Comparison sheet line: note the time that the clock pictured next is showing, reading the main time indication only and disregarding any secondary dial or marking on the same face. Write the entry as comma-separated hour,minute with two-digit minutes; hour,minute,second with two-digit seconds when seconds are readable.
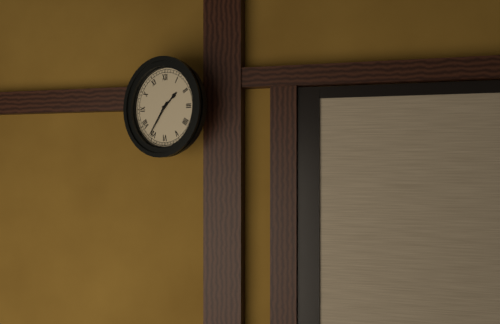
1,36
